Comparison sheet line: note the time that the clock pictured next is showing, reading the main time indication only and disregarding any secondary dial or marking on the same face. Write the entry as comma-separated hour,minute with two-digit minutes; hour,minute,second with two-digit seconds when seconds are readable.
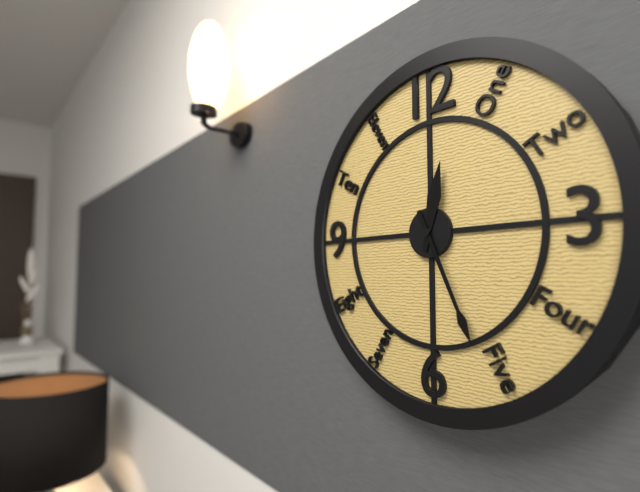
12,26
